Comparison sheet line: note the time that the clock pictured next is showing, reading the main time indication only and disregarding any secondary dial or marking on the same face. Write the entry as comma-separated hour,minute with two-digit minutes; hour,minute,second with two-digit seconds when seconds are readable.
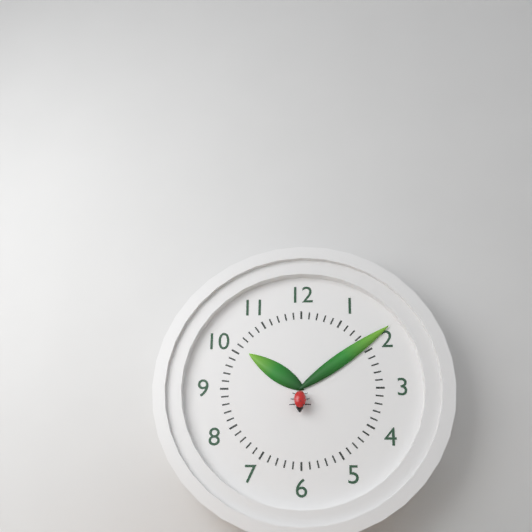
10,09
